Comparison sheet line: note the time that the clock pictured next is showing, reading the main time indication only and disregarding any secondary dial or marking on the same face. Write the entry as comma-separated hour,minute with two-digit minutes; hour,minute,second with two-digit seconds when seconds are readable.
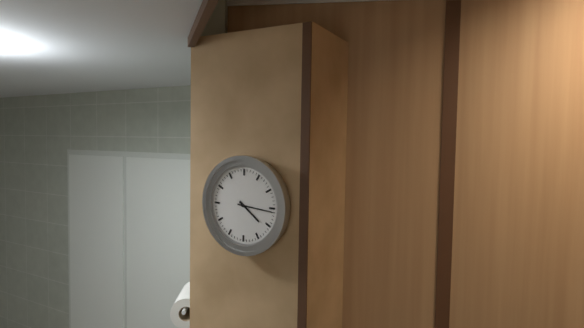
4,16
